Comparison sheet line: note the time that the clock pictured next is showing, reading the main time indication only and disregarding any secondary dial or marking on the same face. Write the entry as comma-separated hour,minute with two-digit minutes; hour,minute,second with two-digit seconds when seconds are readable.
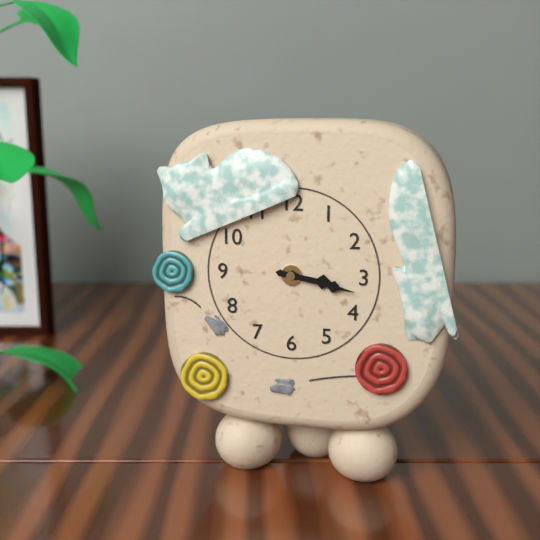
3,17
